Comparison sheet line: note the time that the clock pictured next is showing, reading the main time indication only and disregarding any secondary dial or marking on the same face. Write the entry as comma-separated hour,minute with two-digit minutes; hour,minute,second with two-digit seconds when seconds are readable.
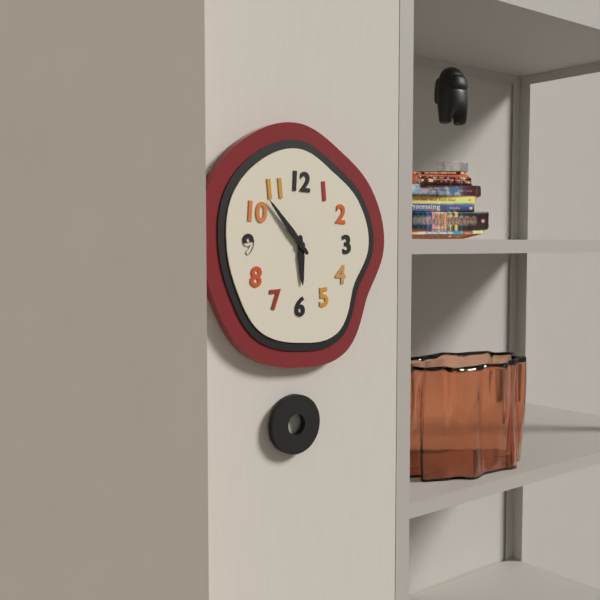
5,53
